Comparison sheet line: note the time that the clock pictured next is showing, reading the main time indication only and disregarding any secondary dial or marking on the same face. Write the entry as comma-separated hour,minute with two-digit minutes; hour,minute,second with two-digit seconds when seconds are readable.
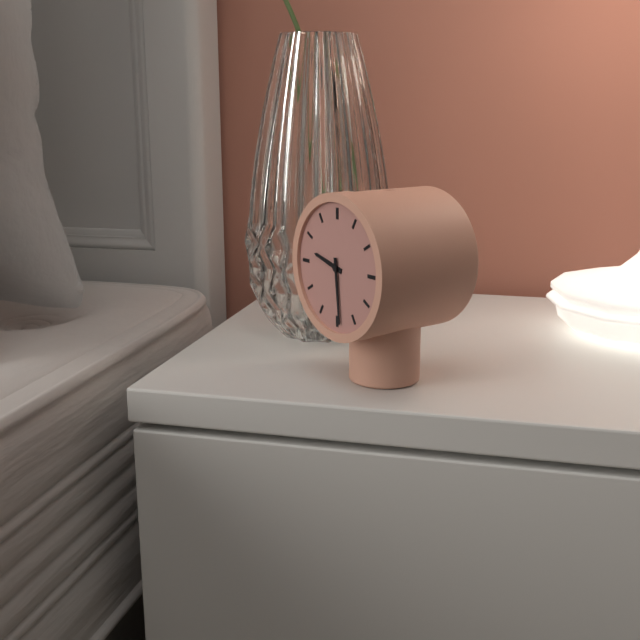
9,29
